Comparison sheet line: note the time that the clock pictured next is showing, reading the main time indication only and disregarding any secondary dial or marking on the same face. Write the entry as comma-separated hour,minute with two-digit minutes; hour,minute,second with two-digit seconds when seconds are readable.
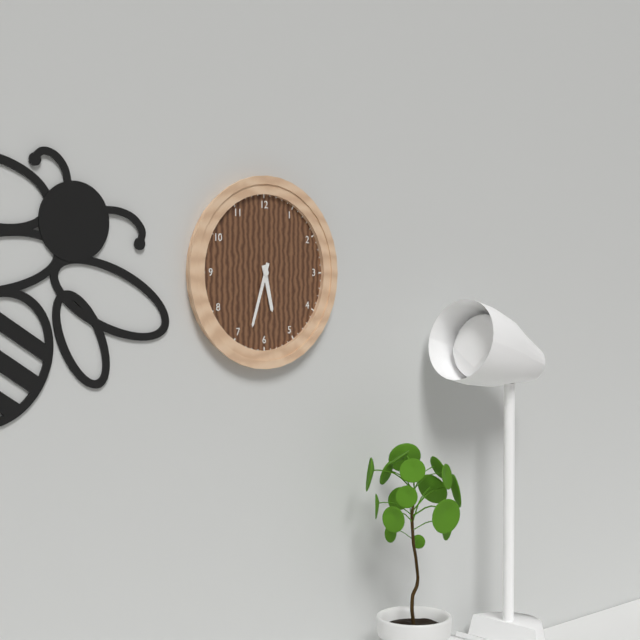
5,33
